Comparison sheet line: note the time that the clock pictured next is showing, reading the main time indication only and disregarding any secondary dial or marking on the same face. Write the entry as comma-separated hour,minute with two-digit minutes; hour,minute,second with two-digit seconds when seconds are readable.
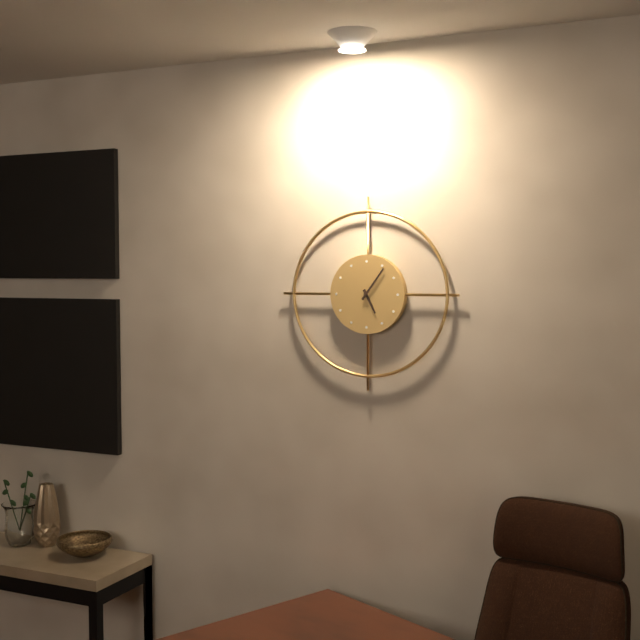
5,06
